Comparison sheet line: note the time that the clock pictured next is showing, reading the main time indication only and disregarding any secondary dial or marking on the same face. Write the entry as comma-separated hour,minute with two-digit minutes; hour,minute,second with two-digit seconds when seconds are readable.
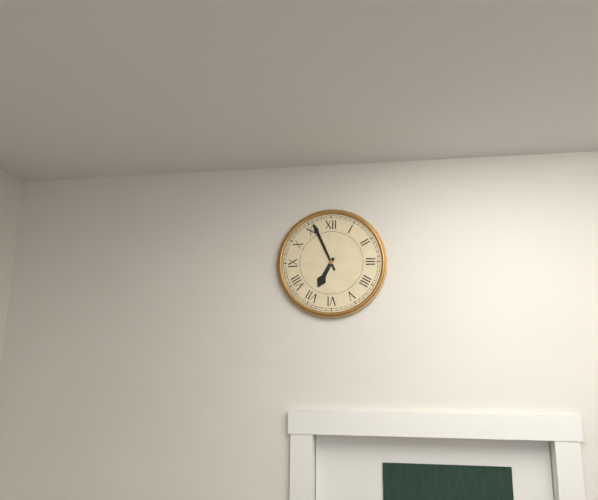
6,56
